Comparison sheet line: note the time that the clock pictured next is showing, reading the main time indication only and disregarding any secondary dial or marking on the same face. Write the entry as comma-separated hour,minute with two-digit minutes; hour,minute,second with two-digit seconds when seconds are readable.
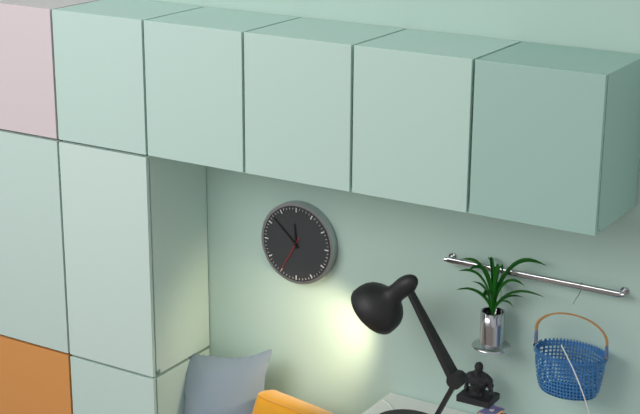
11,52
